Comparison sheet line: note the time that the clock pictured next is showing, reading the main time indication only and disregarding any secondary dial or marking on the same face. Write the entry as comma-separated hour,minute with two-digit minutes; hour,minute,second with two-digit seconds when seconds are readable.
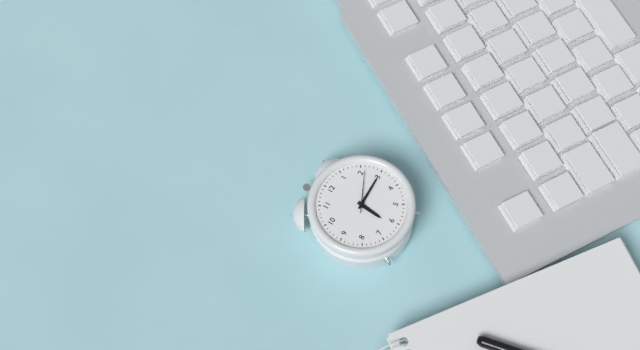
6,15
